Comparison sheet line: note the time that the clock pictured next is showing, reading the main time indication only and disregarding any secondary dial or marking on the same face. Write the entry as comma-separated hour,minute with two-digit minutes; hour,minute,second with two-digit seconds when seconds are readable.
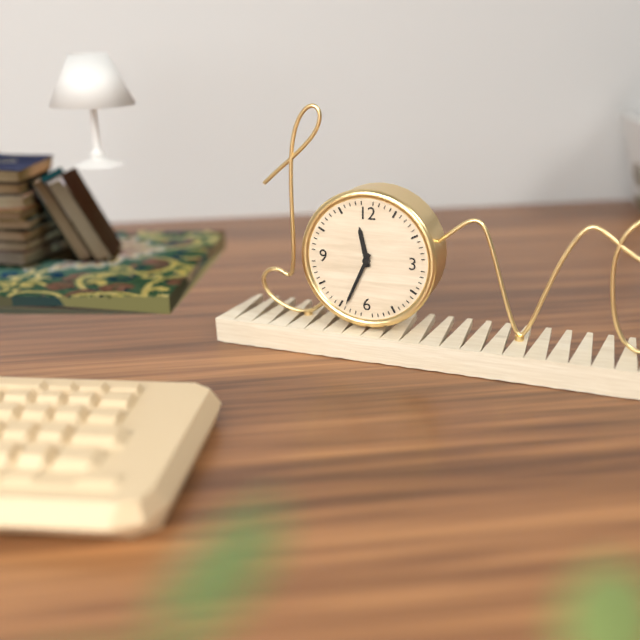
11,34
